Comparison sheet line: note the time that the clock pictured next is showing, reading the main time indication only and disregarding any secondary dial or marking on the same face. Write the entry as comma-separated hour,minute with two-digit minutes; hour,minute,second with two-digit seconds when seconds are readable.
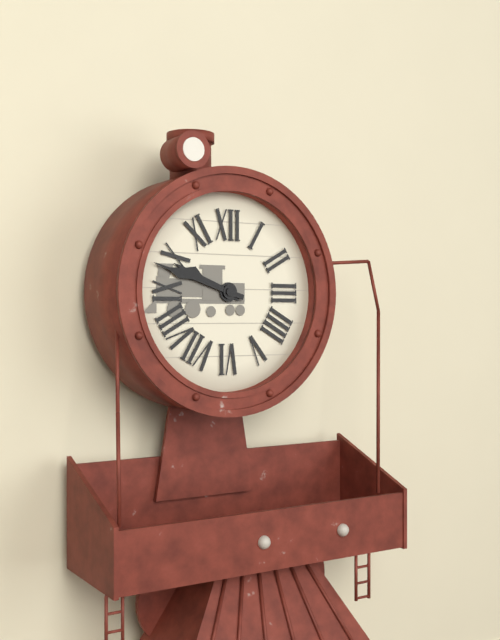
9,48
